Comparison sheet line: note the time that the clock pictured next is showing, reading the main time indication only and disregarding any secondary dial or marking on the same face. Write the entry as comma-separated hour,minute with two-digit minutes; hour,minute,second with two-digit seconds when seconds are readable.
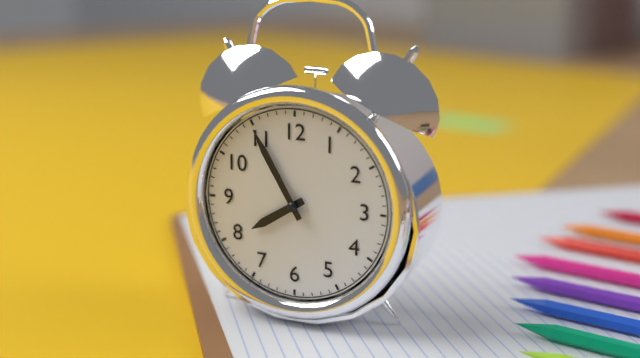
7,55
